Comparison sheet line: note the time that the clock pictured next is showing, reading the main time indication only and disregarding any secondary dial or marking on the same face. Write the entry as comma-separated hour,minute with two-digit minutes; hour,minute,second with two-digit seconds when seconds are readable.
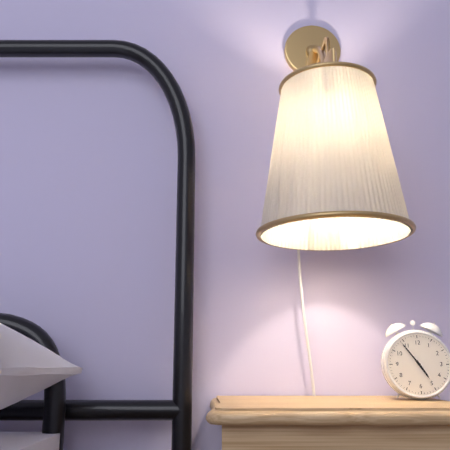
4,54
